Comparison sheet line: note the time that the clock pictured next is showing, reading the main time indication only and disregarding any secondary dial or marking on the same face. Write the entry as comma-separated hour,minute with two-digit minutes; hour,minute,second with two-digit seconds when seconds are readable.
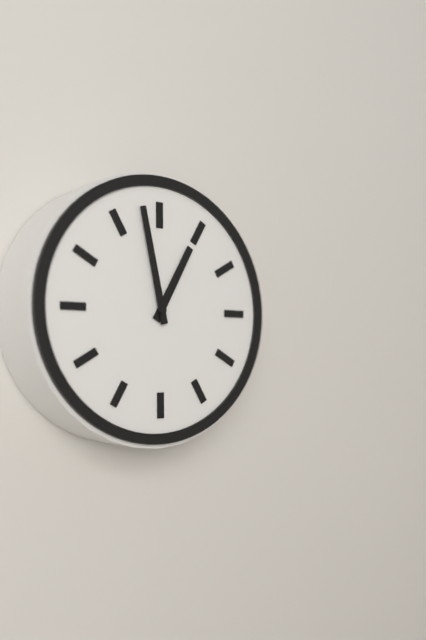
12,58
